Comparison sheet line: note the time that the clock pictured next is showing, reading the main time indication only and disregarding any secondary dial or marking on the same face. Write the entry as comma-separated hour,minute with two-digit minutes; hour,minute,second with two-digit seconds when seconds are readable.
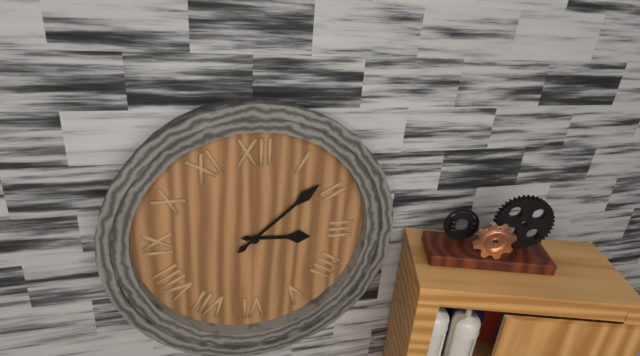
3,08
